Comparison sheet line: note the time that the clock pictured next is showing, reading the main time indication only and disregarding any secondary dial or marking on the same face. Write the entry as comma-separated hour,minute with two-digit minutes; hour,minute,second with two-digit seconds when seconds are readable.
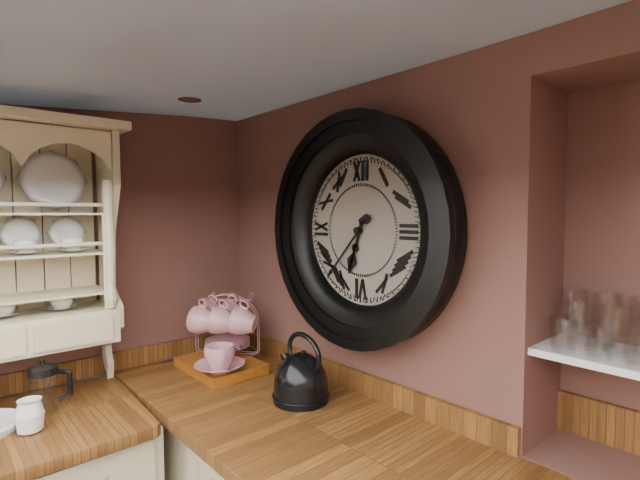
6,37
